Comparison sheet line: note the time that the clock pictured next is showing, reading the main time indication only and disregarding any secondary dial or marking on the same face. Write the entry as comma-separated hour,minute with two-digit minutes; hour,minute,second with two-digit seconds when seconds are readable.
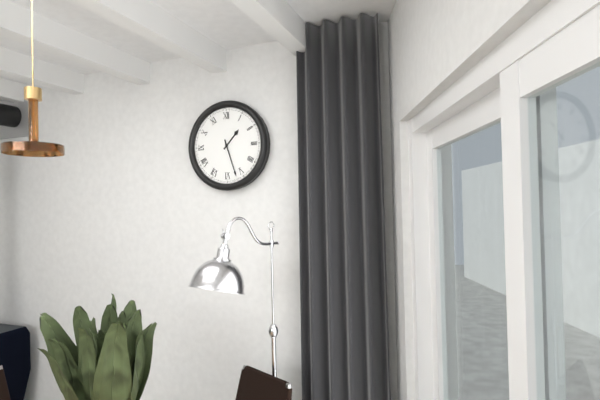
1,27
